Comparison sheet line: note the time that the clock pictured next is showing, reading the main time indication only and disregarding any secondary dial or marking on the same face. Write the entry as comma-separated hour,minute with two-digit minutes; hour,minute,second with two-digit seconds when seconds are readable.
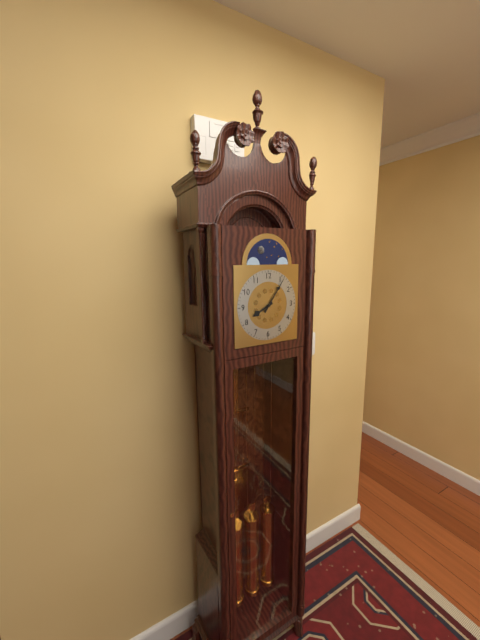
8,06
